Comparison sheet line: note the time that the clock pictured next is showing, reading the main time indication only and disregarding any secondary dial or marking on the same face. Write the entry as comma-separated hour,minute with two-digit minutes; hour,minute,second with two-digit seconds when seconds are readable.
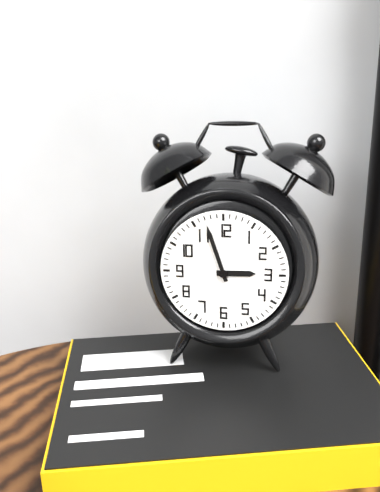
2,57
